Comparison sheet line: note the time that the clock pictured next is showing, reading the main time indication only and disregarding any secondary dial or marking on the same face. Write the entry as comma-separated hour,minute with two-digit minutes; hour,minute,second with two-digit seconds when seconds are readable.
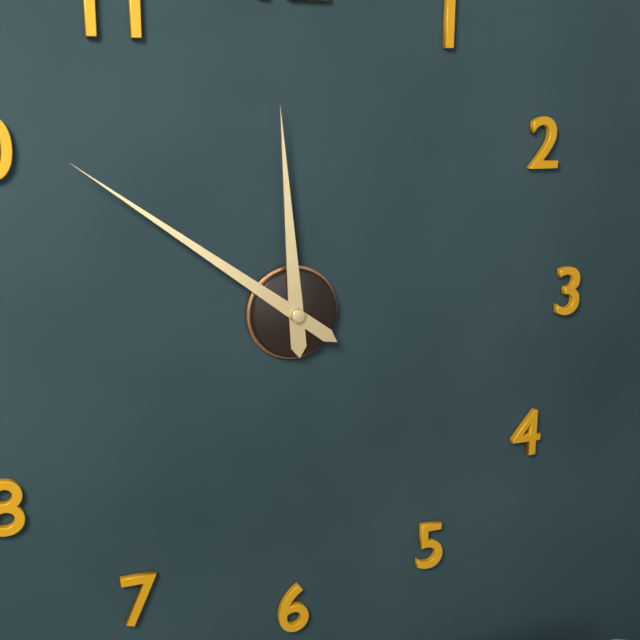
11,51
